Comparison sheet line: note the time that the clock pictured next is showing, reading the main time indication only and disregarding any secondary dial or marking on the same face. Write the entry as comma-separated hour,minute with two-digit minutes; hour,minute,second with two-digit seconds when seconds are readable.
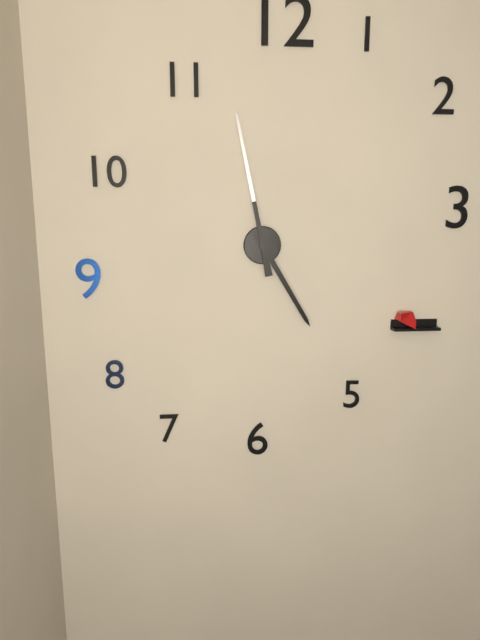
4,58
